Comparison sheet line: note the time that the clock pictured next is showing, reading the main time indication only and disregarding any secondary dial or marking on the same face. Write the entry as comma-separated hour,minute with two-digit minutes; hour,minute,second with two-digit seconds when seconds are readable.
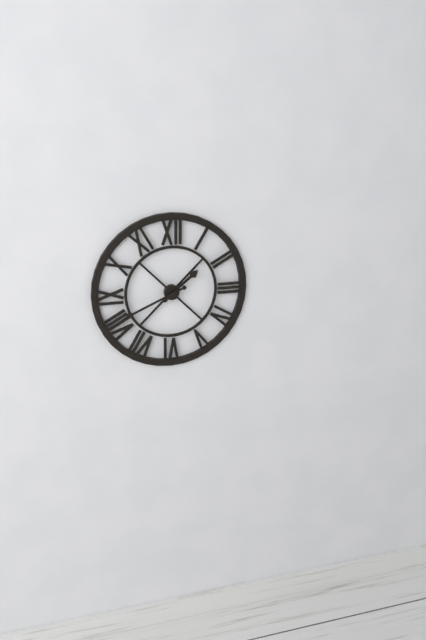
1,41
